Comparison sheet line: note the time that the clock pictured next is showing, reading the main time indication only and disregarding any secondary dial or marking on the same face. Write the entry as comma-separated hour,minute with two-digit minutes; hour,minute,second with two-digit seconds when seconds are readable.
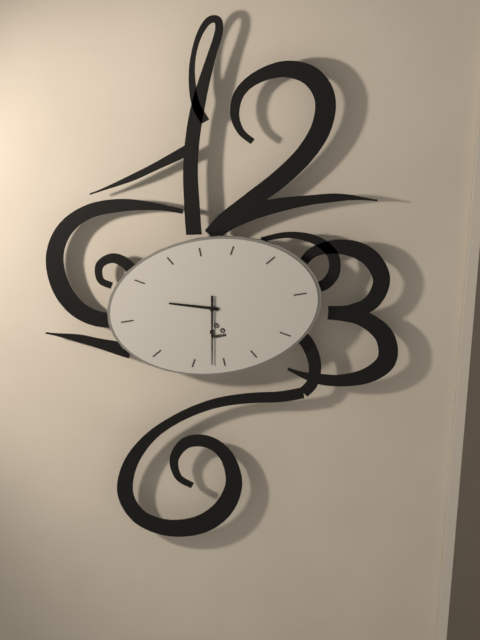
9,32
